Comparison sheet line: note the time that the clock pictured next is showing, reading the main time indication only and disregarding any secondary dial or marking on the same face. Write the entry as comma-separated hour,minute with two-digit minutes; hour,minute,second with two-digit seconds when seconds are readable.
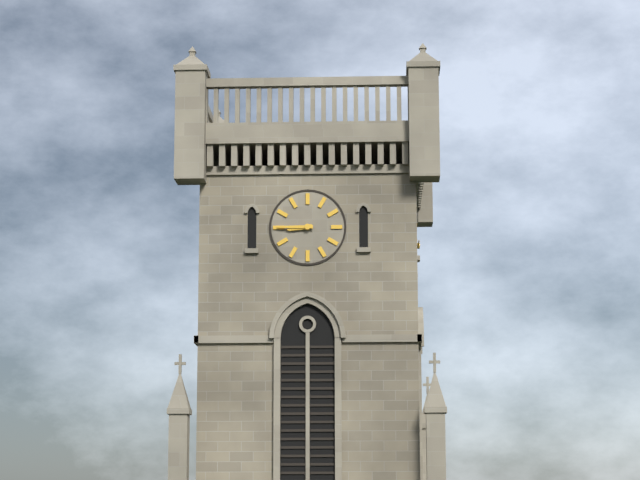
8,45
